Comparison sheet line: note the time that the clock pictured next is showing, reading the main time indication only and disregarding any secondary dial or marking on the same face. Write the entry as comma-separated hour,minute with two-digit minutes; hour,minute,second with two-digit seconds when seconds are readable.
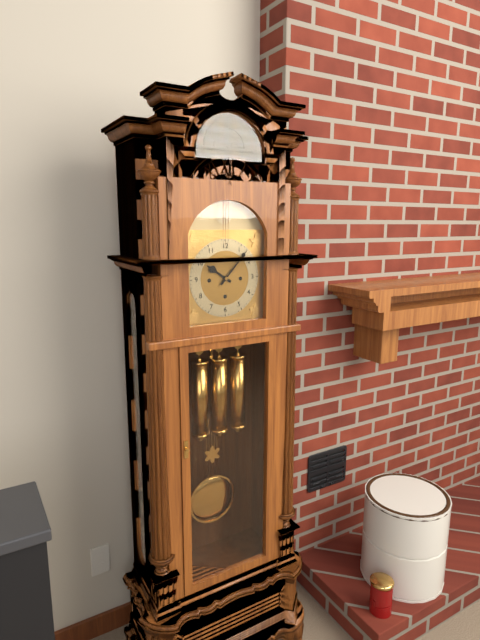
10,07
